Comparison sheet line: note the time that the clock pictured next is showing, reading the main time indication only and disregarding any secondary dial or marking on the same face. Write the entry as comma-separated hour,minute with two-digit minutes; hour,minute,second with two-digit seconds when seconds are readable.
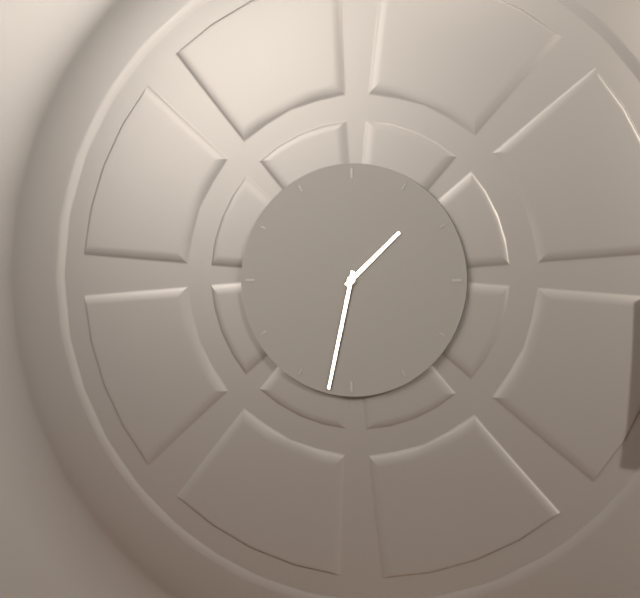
1,32
